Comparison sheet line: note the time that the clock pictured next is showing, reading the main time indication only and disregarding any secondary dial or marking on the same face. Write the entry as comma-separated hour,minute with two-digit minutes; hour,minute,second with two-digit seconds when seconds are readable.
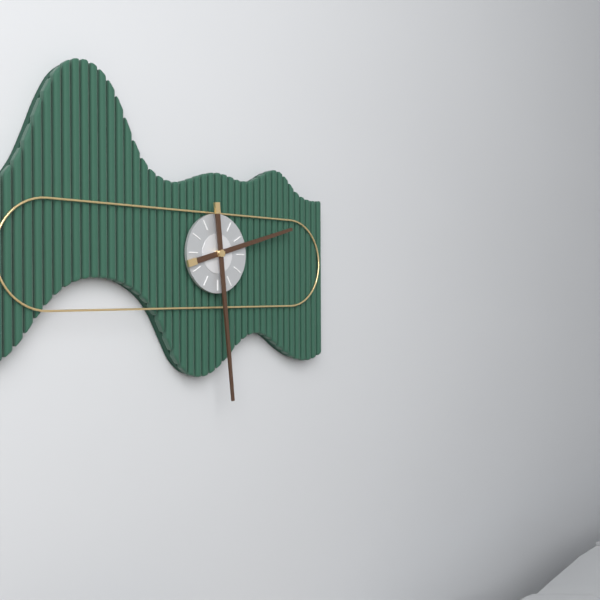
2,29
